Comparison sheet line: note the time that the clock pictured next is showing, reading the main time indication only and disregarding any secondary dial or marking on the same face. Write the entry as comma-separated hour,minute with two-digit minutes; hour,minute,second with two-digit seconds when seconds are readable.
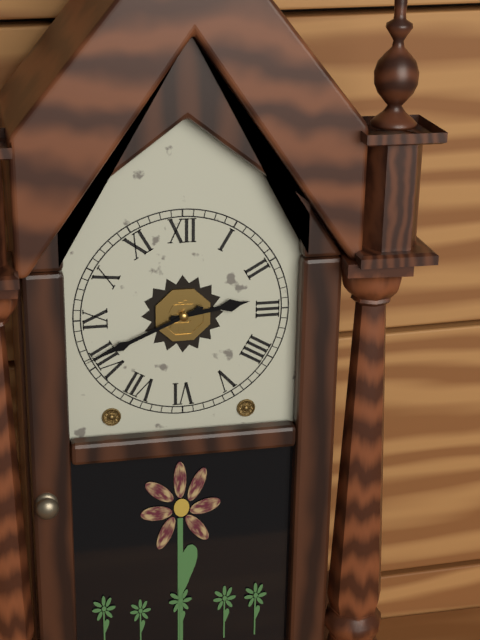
2,41
